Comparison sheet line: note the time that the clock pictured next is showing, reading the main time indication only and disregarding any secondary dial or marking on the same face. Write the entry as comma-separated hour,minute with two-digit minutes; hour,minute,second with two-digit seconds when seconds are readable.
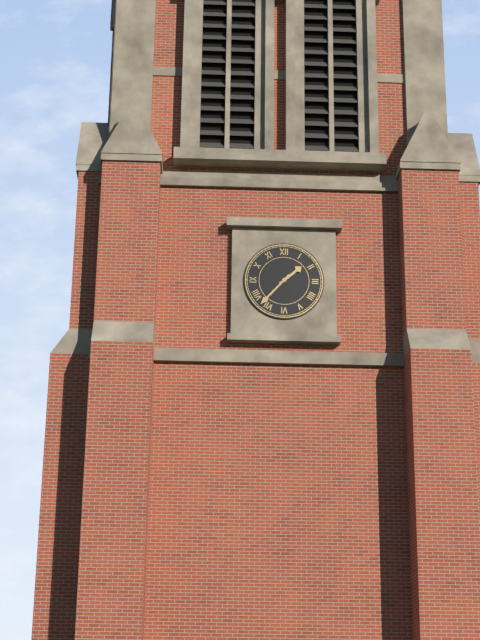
1,37
